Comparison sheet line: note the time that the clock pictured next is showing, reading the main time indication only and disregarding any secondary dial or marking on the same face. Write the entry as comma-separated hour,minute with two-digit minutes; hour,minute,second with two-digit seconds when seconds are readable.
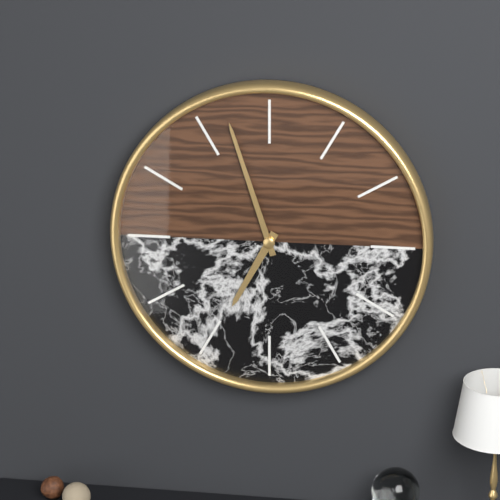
6,57
